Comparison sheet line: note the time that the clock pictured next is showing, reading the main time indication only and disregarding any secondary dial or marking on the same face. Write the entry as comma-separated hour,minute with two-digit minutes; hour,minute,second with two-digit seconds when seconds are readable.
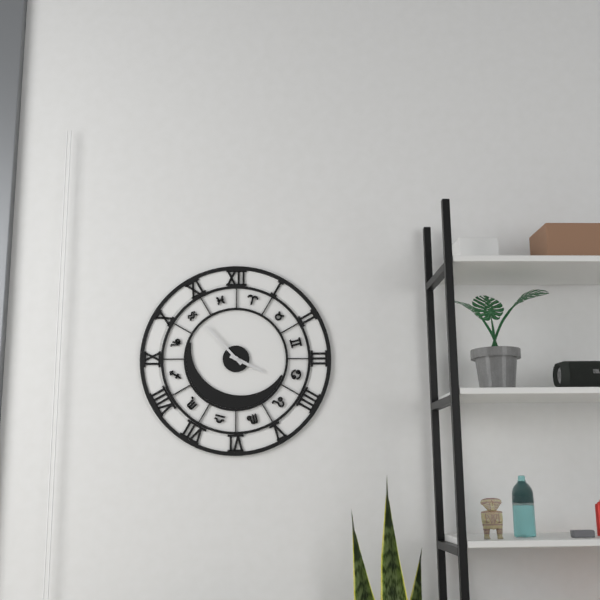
3,53
